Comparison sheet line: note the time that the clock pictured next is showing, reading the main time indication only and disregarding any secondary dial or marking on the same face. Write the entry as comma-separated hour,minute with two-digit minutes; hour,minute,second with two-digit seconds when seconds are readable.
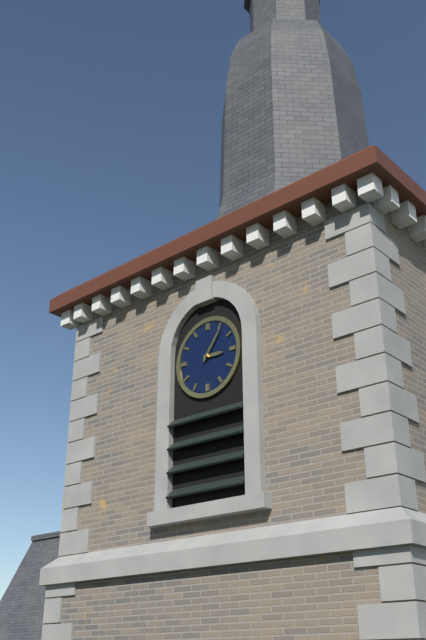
3,06
